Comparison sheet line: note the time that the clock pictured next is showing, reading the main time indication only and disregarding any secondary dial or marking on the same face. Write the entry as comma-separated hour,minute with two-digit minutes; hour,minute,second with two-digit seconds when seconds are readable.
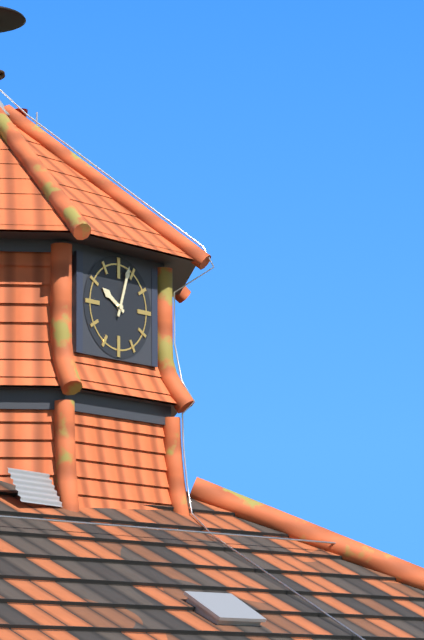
10,03
